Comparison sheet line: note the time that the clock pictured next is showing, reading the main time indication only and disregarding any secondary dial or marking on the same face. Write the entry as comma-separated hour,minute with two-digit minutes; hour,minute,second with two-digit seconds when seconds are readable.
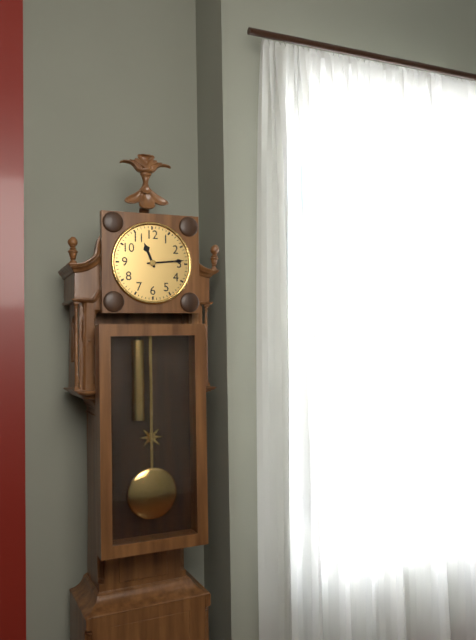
11,14
